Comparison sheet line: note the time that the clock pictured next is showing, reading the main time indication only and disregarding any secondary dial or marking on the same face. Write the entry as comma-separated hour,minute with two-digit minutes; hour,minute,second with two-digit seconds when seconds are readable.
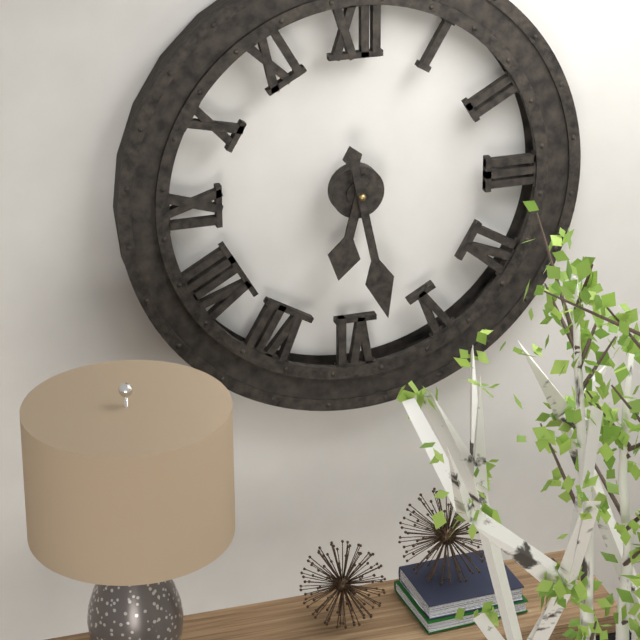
6,28
